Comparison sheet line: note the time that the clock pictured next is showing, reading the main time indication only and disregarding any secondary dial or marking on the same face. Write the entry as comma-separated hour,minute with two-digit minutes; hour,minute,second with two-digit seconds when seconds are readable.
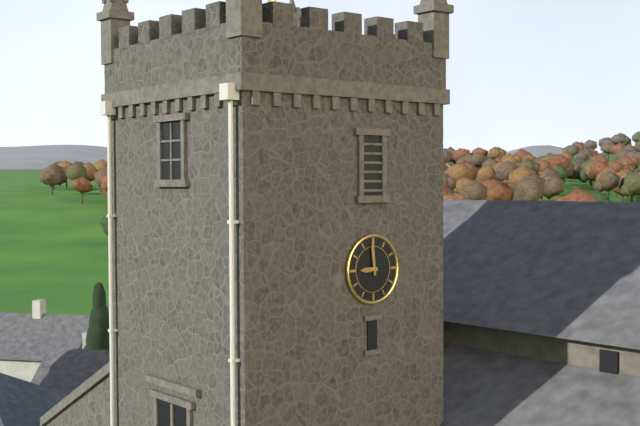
8,59
